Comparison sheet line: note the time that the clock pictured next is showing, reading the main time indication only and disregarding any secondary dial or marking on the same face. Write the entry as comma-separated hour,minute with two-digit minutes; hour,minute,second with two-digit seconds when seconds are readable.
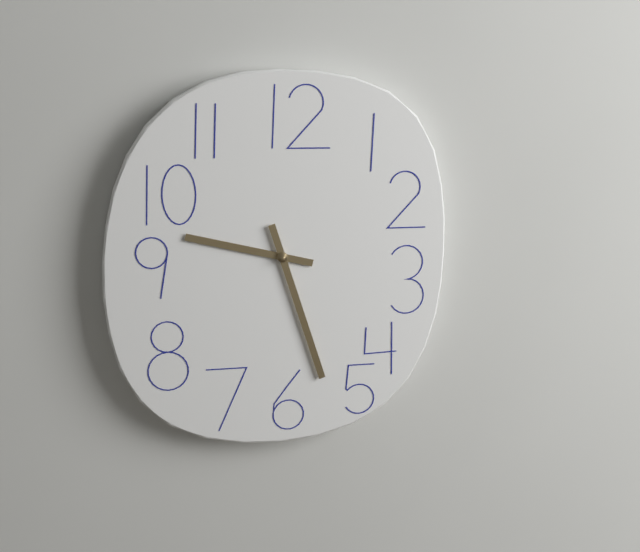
9,27
